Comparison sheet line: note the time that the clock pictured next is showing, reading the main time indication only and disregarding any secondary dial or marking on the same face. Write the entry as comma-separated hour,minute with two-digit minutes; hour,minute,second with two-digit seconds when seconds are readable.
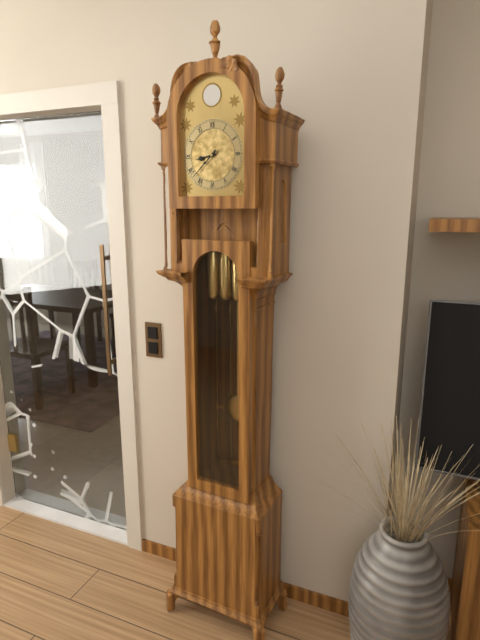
8,38
